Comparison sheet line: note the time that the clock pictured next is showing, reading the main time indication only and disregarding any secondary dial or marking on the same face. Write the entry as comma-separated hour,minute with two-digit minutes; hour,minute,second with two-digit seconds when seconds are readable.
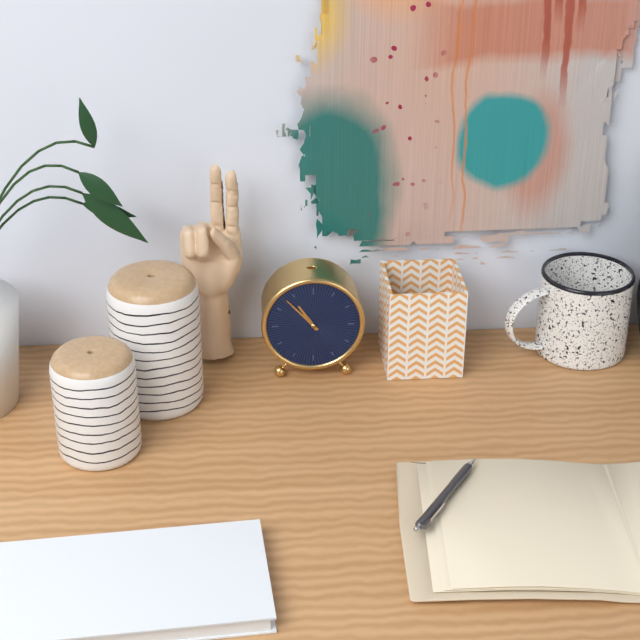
10,53
